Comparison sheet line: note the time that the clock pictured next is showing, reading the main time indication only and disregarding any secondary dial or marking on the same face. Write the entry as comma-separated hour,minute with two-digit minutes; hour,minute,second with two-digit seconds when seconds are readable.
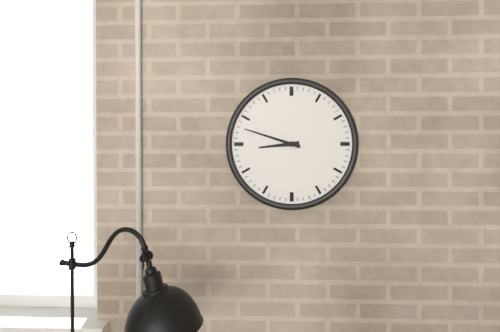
8,48
